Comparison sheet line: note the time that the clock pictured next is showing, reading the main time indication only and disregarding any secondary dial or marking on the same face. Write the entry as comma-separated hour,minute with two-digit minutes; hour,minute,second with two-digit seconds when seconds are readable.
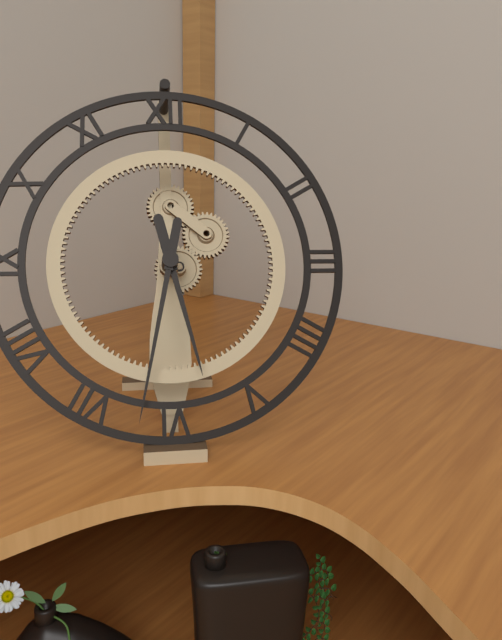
5,32
